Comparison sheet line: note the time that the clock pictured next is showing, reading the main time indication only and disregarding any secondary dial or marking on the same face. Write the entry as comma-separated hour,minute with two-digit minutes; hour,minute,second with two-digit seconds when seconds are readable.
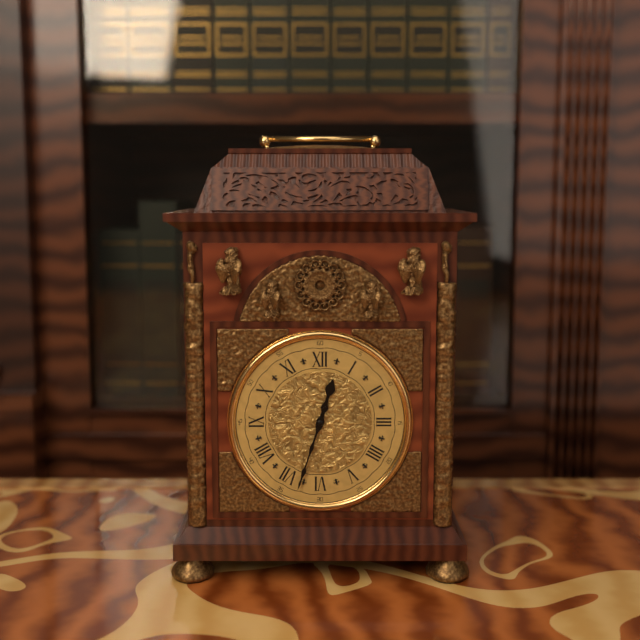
12,33
